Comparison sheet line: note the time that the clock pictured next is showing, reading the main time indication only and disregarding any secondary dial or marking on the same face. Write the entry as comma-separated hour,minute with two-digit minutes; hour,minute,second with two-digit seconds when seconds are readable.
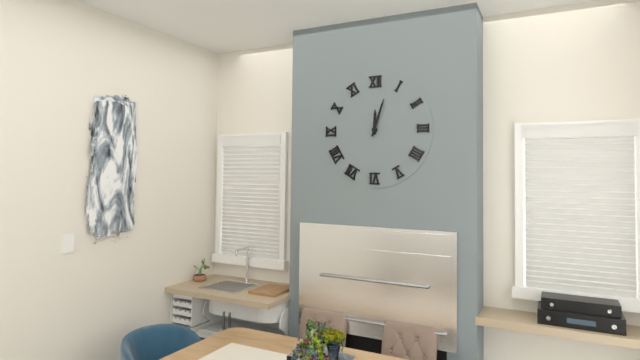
12,03
